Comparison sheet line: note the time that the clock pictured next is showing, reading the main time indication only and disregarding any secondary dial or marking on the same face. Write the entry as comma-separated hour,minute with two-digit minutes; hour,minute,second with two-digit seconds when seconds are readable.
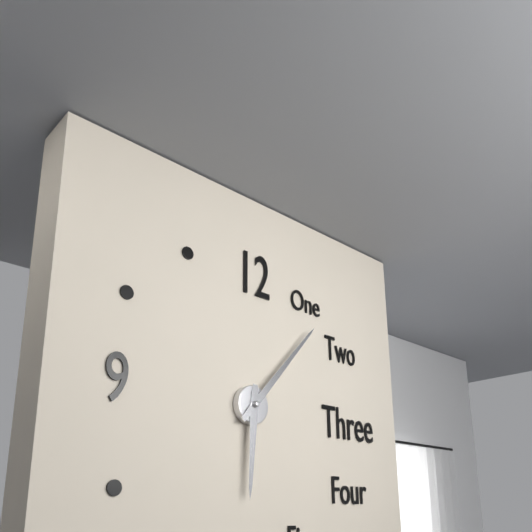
6,07
